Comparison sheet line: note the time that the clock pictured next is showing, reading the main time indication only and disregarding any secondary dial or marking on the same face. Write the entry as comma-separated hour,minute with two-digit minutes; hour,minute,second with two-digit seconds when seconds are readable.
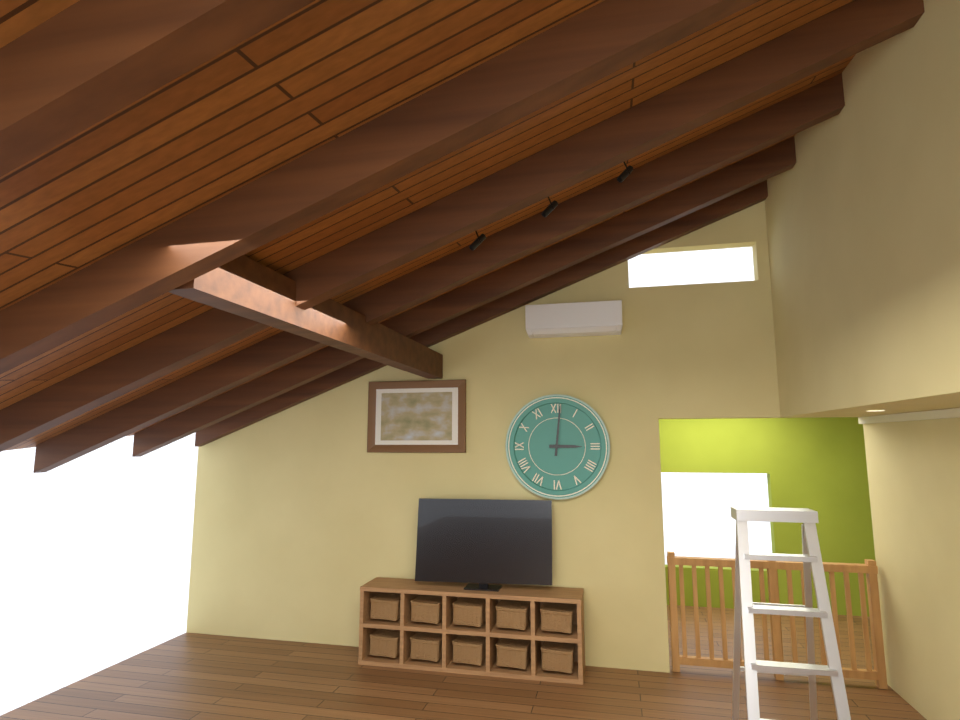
3,01
